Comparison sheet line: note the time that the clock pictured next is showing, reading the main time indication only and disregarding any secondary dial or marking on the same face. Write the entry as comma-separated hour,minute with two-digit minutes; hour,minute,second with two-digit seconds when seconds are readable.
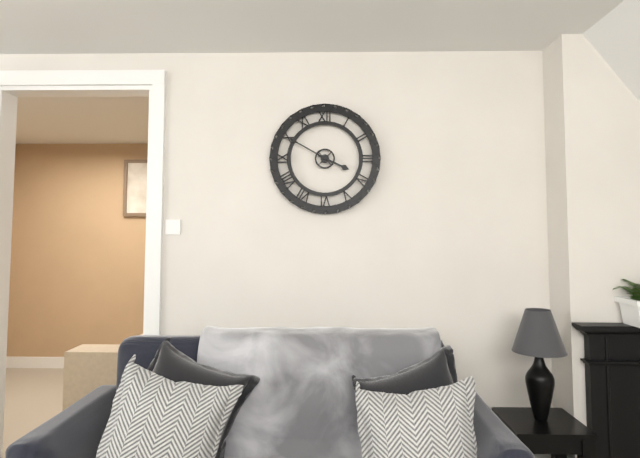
3,50
